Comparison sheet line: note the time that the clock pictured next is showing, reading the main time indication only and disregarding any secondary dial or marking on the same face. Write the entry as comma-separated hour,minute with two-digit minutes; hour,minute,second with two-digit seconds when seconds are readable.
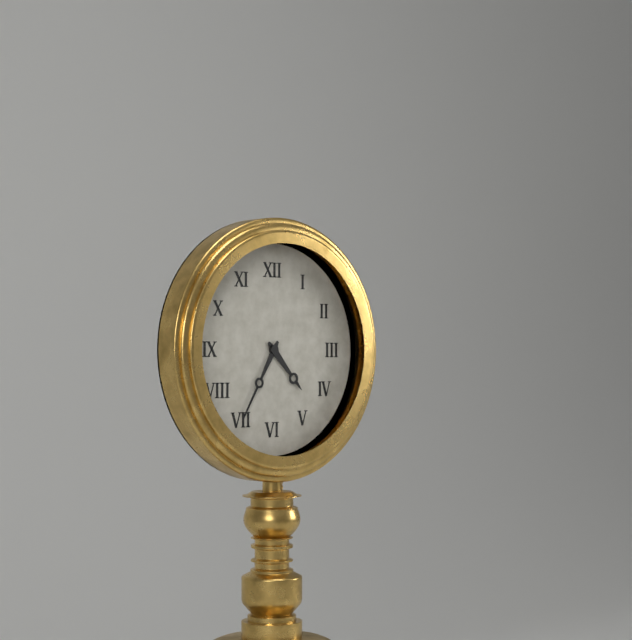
4,35
